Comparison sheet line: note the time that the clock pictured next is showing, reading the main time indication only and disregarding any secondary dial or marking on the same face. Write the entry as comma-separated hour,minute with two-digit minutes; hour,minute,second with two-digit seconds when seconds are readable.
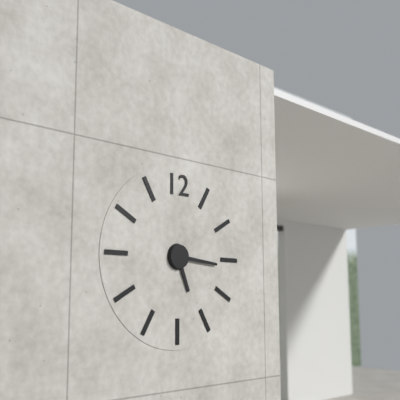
5,16
